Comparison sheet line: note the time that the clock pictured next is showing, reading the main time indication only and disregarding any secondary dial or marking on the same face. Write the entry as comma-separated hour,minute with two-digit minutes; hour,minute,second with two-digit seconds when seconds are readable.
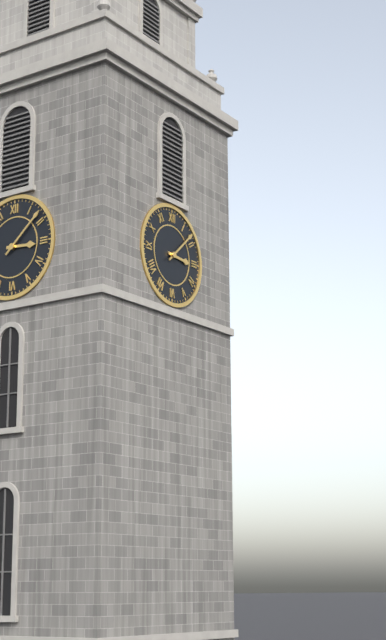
3,08
